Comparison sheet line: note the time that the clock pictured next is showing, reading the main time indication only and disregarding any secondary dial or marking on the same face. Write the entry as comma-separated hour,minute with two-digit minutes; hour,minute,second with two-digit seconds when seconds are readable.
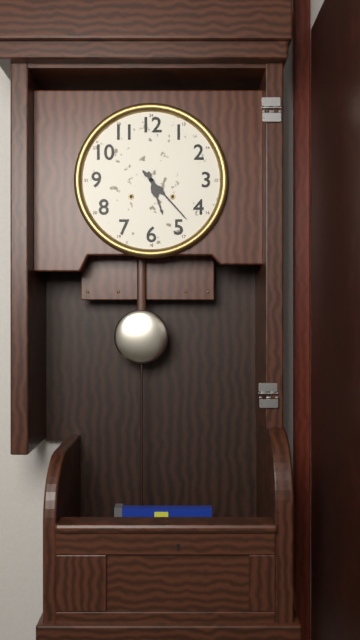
5,23
